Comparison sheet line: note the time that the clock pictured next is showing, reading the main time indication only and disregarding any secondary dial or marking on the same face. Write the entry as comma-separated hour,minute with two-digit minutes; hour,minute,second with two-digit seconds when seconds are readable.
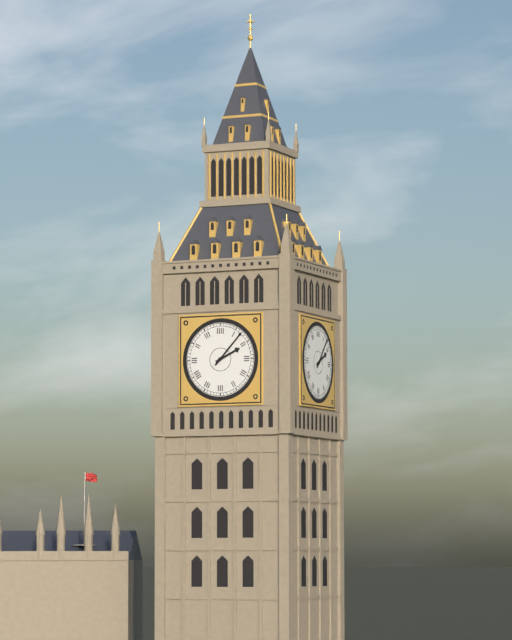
2,07
